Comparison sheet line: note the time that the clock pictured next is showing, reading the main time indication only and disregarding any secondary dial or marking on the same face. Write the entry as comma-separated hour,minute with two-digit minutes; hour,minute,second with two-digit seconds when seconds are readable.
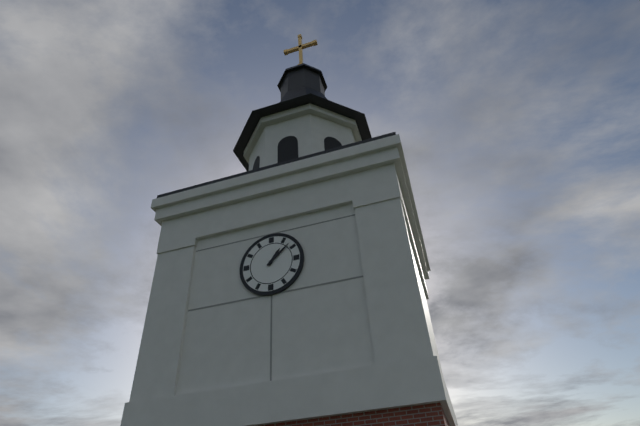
1,08
